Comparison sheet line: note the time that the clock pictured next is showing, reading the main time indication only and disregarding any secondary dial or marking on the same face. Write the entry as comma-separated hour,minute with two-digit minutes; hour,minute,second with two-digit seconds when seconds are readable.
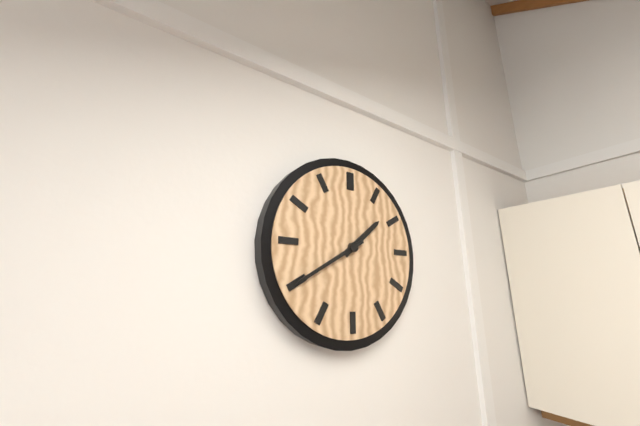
1,40
